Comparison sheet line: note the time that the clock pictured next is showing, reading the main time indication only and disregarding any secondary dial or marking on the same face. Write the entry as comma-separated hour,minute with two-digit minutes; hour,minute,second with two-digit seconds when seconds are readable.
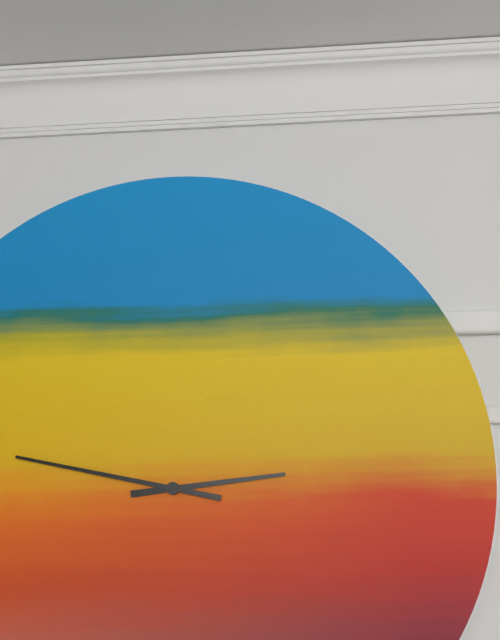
2,47
